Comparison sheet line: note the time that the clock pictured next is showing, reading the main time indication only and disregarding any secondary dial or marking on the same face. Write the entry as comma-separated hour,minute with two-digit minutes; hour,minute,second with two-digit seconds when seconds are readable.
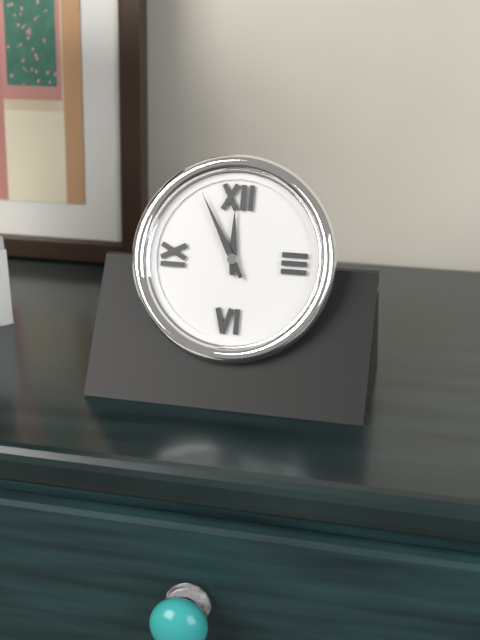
11,55
